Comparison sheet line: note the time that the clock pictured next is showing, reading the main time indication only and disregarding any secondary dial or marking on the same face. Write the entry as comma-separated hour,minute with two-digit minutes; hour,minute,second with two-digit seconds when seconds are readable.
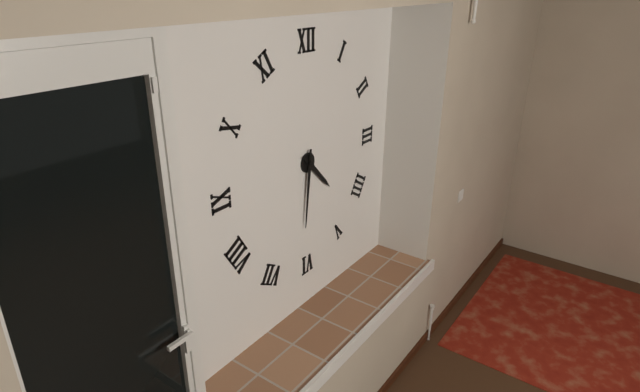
4,31
